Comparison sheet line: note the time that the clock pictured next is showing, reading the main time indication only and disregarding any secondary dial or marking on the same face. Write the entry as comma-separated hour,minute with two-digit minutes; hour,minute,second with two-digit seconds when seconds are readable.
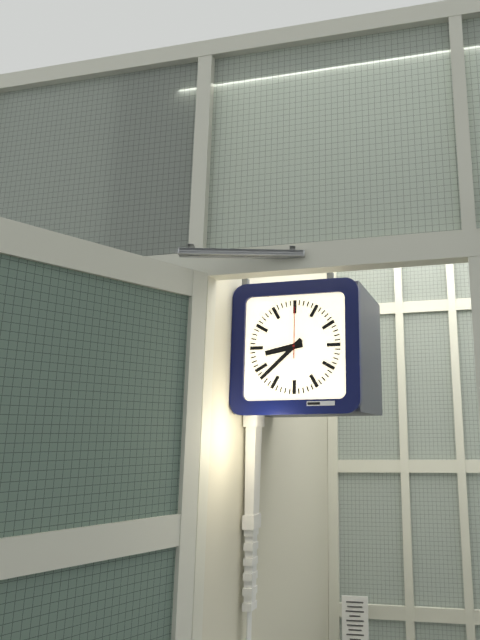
8,38
